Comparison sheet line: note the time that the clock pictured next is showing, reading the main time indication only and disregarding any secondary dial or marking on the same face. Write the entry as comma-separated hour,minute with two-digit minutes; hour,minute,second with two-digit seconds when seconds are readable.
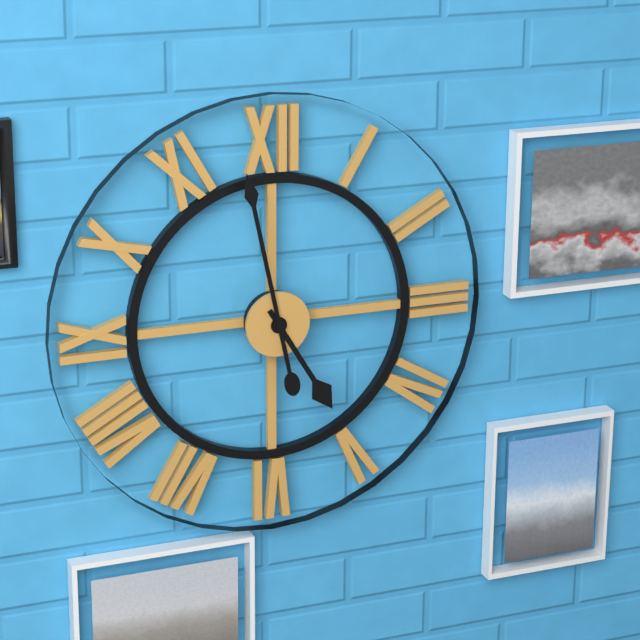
4,58
